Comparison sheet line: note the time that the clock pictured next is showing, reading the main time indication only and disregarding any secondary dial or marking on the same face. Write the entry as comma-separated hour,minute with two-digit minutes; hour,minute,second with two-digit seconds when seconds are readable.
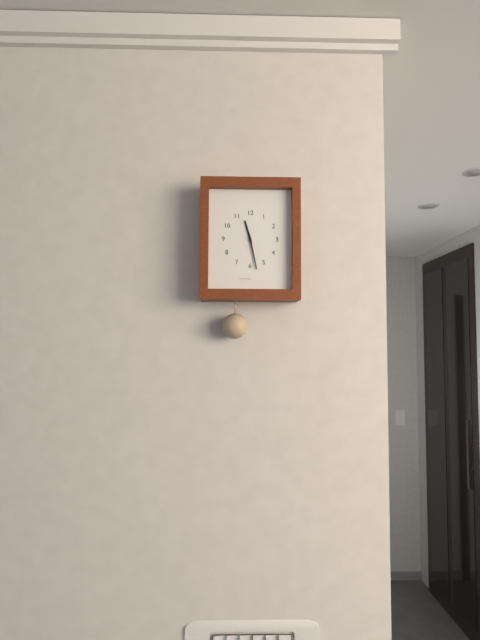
11,28
